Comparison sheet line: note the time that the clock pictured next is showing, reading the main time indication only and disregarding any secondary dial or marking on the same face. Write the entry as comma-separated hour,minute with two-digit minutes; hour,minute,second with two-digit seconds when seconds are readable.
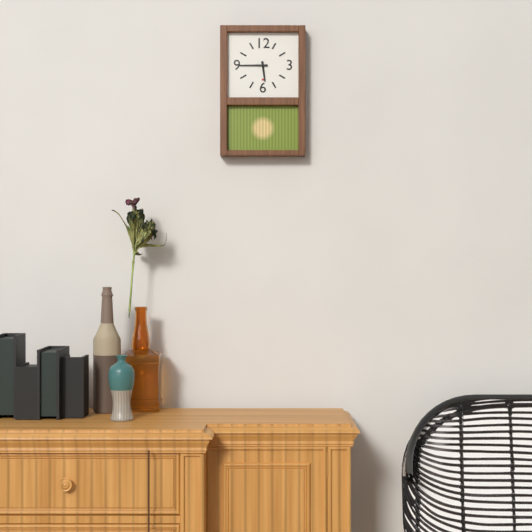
5,45
